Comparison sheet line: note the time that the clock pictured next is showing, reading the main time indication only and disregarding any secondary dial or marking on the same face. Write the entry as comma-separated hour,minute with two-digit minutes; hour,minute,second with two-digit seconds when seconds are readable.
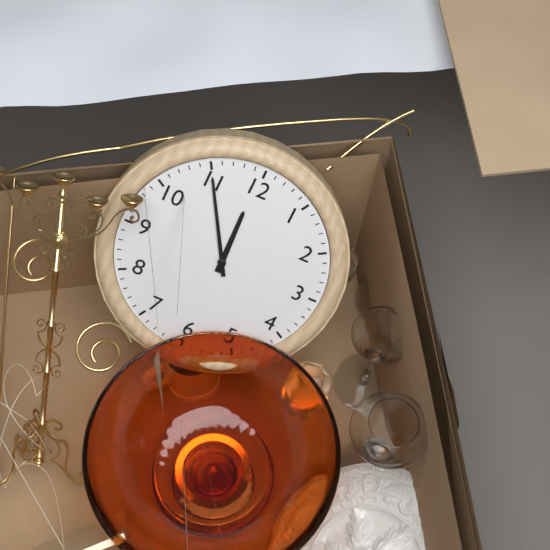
11,55
